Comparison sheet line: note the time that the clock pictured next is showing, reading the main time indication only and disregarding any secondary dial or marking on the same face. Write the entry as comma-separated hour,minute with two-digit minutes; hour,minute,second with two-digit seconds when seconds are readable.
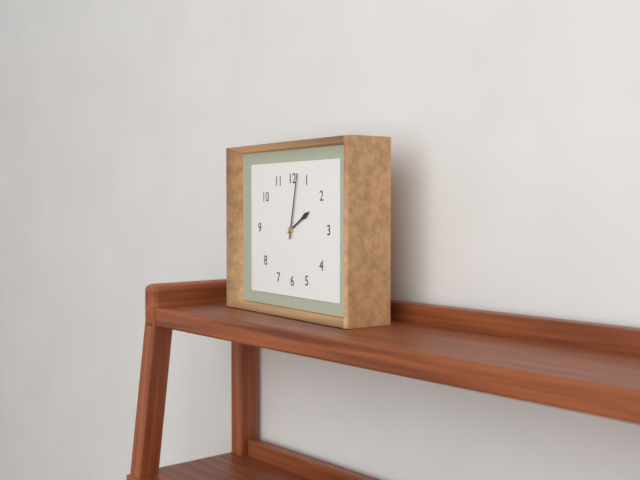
2,02
